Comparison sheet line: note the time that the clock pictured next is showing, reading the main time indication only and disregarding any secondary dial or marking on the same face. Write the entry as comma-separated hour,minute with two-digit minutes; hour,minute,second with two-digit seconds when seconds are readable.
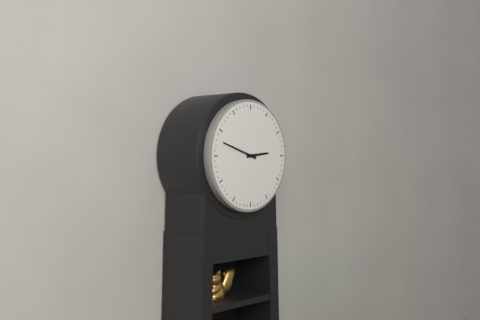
2,48
